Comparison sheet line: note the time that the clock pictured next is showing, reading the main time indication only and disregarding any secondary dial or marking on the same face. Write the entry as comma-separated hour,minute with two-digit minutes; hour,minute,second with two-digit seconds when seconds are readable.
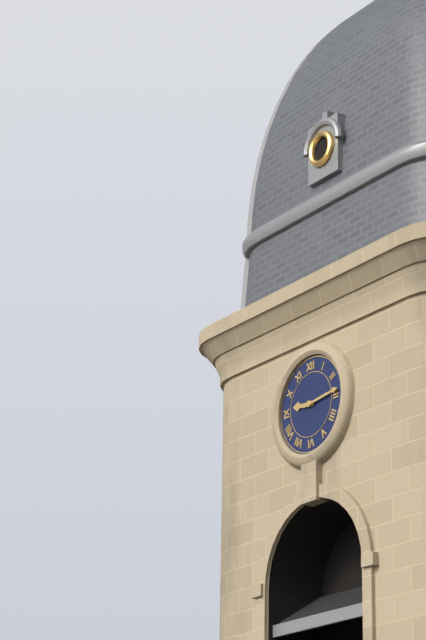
9,14
